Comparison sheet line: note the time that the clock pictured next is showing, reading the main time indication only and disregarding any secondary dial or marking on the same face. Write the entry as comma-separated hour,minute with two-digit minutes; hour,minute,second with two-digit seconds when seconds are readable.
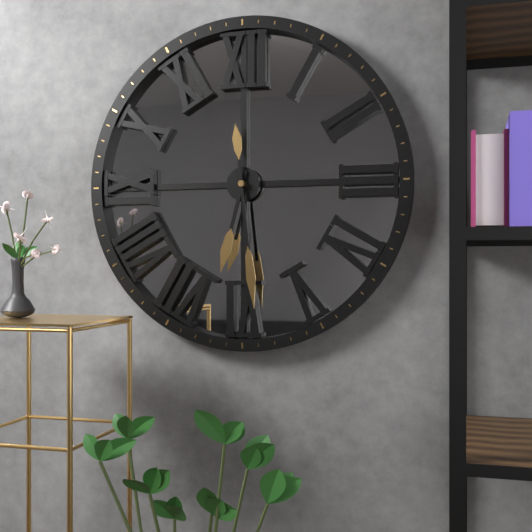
6,29
